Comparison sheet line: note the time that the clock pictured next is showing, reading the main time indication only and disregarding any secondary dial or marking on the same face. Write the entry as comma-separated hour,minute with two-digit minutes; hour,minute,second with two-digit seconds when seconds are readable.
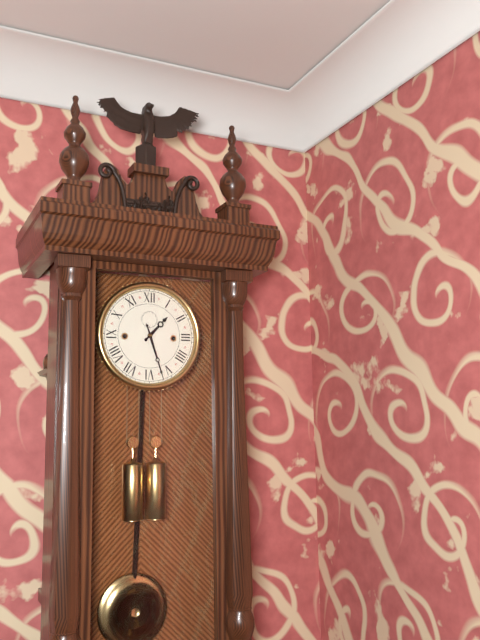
1,27
